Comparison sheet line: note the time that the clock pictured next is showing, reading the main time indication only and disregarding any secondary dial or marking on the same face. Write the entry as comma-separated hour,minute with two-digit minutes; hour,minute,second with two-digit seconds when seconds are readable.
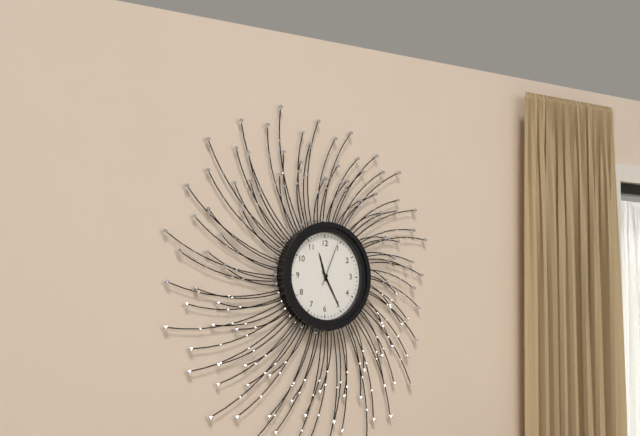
11,25
